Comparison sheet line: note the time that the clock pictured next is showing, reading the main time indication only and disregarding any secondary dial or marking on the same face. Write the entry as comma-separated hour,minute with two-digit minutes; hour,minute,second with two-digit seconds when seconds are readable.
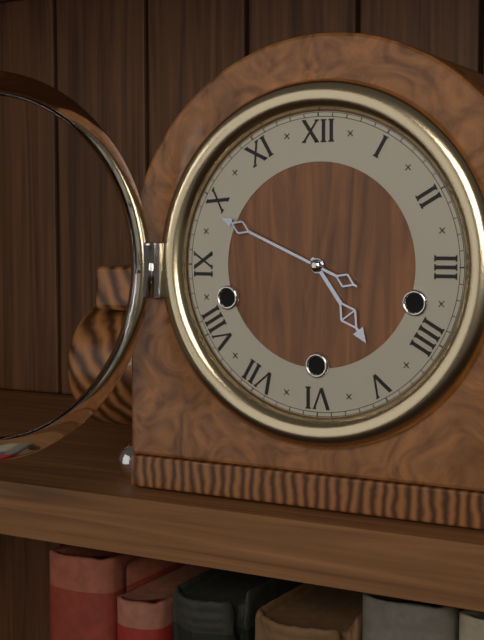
4,49
